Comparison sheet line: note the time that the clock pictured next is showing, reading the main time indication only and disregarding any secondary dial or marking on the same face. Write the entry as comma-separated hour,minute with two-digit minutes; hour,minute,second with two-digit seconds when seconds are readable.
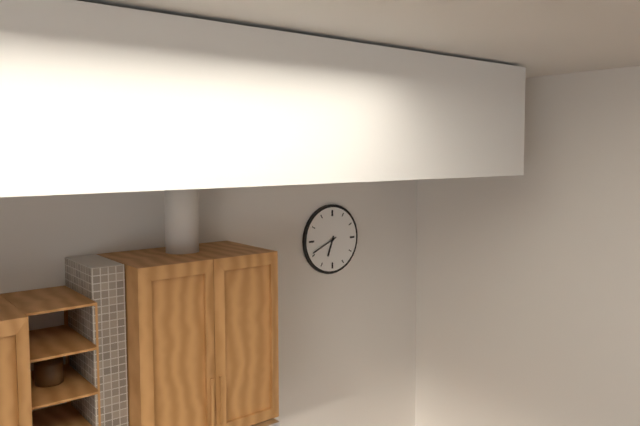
6,41
